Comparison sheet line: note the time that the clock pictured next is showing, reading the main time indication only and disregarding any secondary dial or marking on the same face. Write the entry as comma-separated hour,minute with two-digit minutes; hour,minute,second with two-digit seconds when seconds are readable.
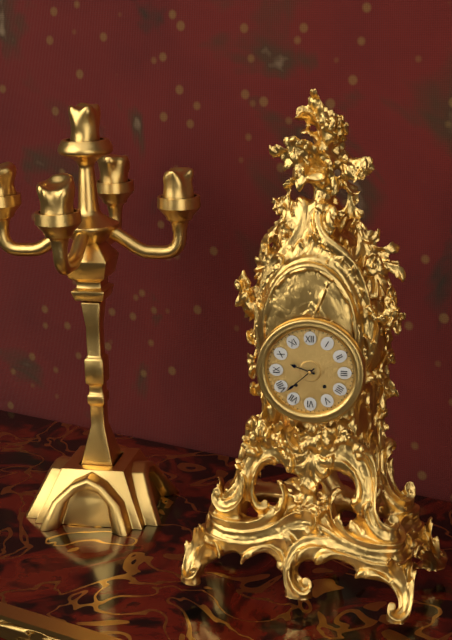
9,38
